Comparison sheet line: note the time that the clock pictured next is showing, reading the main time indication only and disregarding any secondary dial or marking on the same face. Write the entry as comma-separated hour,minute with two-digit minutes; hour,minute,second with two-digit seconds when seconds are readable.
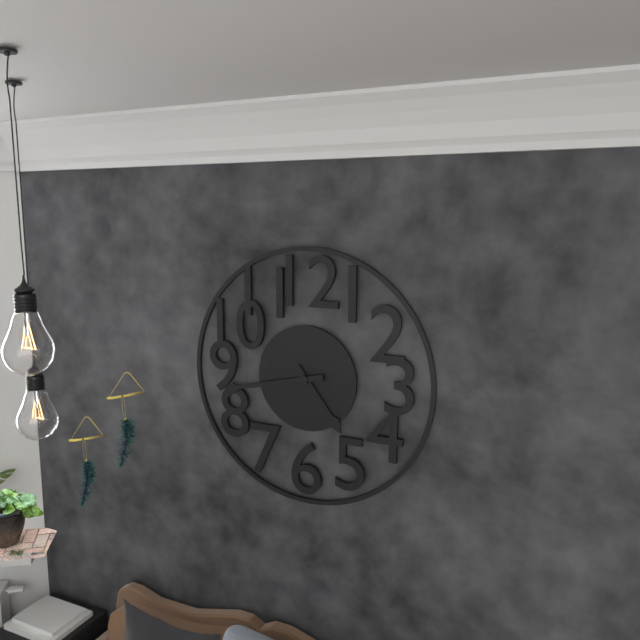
4,43
